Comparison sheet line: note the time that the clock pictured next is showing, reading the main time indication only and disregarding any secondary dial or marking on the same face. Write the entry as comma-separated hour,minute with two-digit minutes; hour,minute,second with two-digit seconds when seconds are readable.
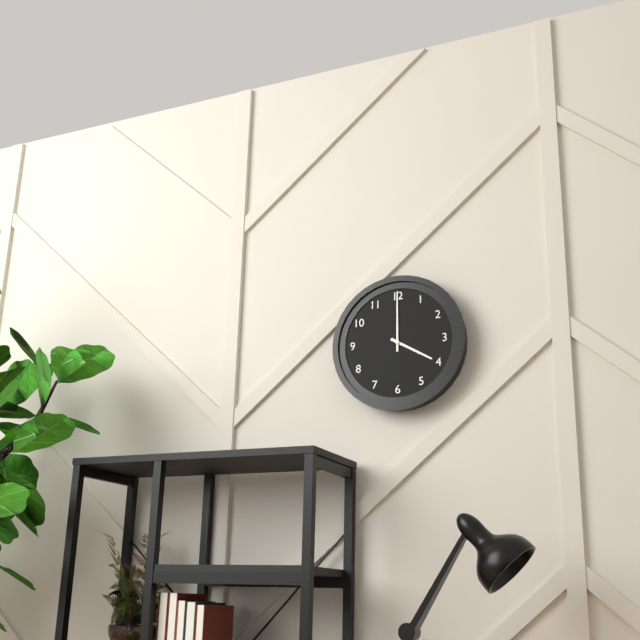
4,00
